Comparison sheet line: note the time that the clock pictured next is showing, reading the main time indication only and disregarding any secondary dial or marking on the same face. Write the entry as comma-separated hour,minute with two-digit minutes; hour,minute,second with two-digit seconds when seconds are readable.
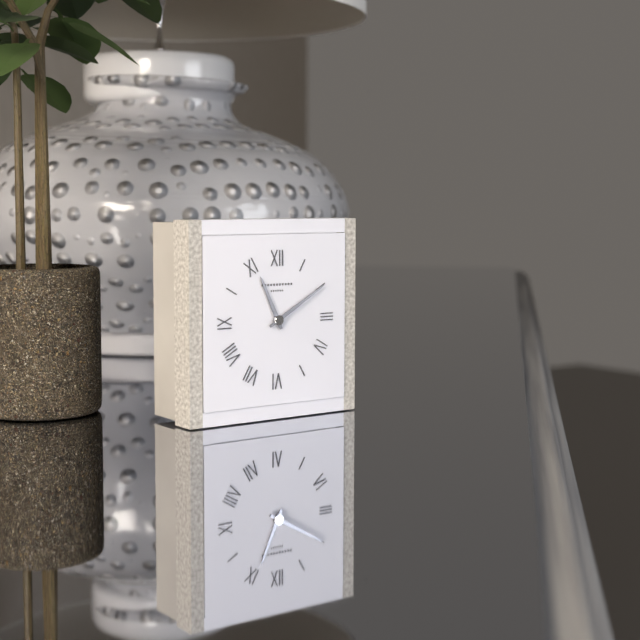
11,10
